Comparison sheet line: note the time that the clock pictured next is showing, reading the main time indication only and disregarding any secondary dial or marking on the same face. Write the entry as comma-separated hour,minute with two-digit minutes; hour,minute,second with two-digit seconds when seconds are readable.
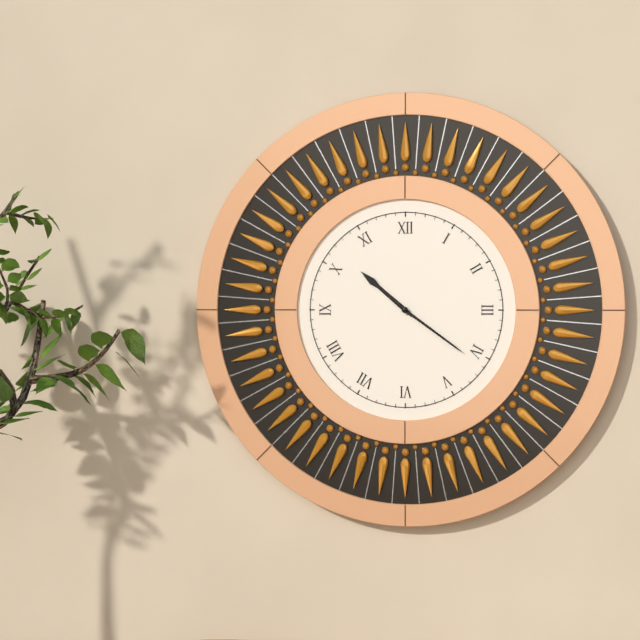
10,21
